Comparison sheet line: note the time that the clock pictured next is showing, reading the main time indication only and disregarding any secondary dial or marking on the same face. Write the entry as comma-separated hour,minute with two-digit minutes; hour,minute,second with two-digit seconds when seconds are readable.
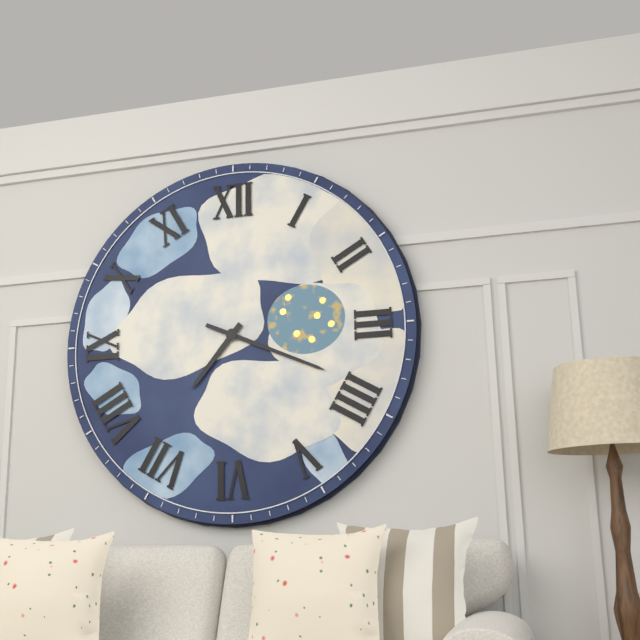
7,19
